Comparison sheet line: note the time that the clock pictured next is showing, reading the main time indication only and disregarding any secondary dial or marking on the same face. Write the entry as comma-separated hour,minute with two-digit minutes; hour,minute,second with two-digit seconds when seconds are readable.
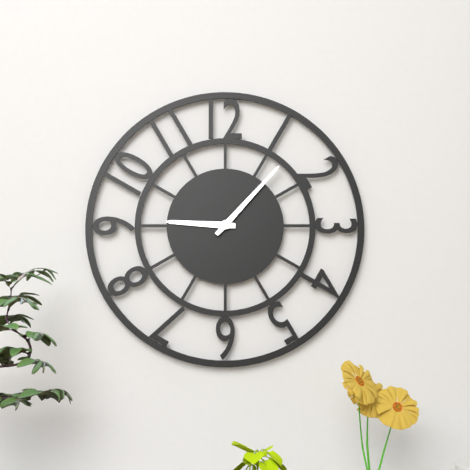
9,07
